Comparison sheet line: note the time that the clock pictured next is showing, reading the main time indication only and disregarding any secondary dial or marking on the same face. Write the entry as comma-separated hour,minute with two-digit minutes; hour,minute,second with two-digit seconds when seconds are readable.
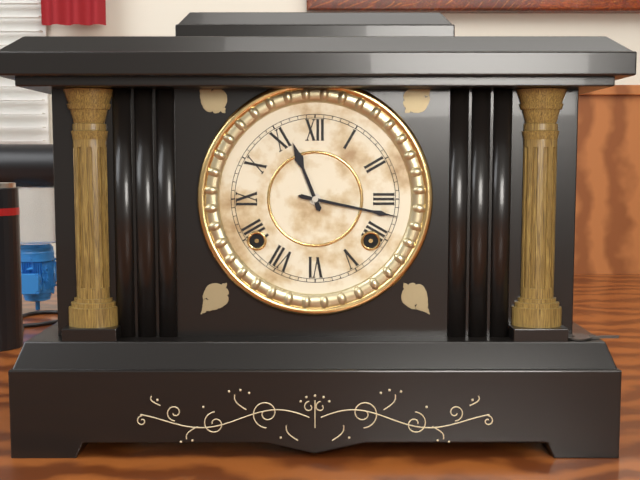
11,17
